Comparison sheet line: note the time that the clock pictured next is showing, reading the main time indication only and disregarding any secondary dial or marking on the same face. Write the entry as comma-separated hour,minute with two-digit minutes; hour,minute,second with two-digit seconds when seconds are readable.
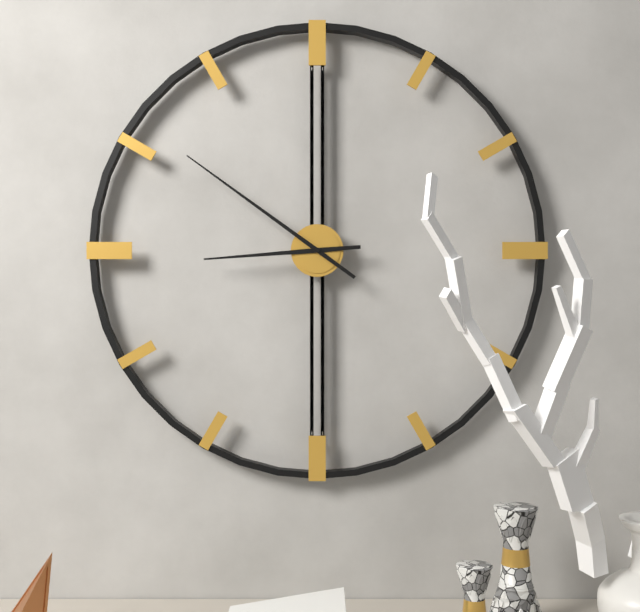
8,51
